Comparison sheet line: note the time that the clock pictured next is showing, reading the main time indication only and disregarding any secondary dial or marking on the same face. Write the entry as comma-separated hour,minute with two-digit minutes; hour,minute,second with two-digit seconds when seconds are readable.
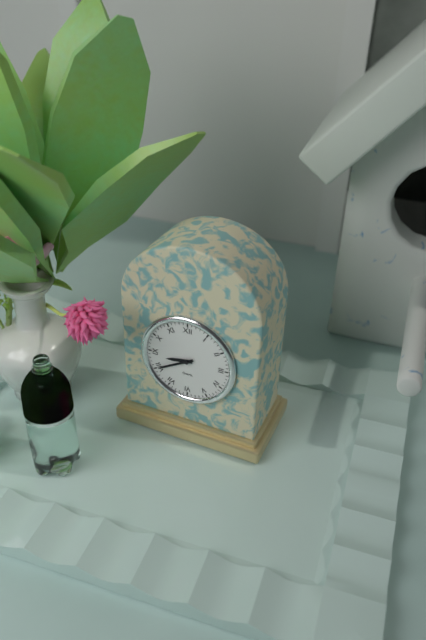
8,40
